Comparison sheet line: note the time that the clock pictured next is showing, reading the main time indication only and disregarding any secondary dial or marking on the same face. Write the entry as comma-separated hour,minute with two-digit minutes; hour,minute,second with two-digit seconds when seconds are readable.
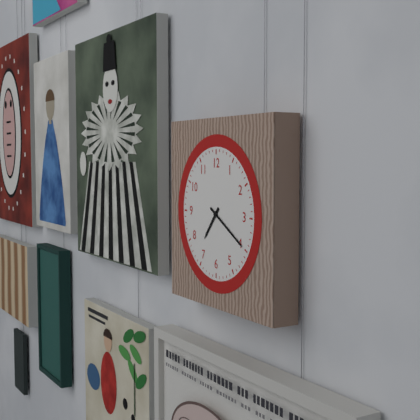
7,20
